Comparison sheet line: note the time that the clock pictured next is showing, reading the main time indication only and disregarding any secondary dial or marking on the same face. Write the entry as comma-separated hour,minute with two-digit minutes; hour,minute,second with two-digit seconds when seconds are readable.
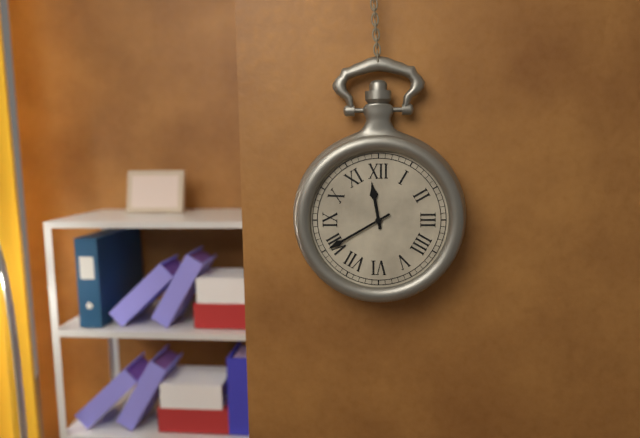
11,40
